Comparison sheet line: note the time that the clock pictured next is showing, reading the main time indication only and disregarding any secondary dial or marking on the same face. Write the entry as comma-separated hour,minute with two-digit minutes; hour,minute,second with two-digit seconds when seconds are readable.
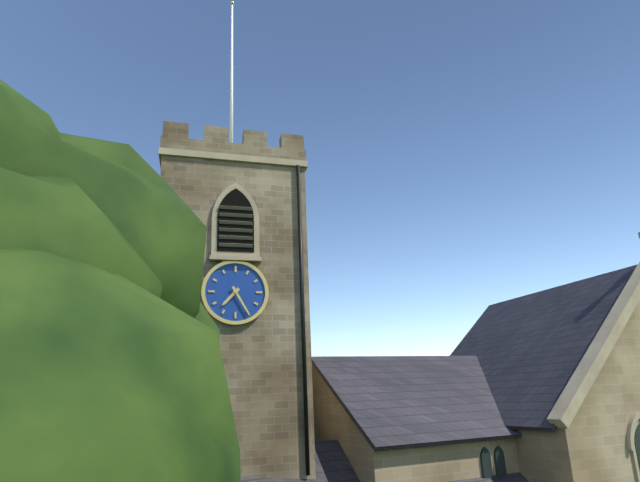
7,25
